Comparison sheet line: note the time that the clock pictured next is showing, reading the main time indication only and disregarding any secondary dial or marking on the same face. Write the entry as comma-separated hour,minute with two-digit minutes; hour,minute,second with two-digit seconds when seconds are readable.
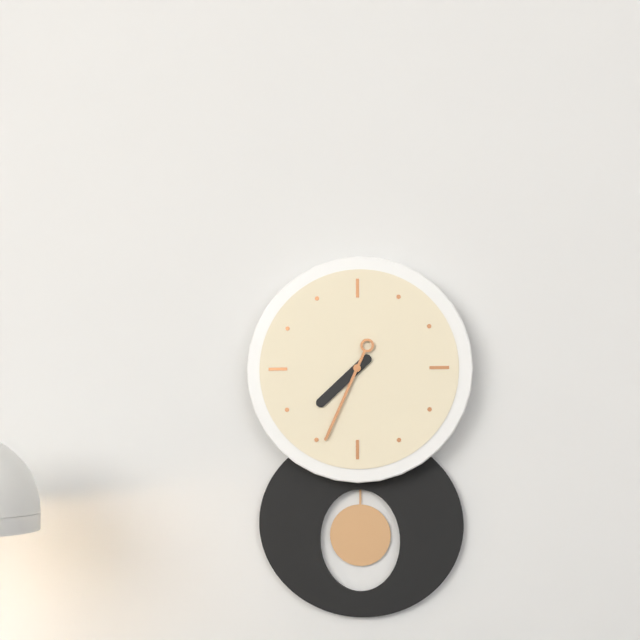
7,34
